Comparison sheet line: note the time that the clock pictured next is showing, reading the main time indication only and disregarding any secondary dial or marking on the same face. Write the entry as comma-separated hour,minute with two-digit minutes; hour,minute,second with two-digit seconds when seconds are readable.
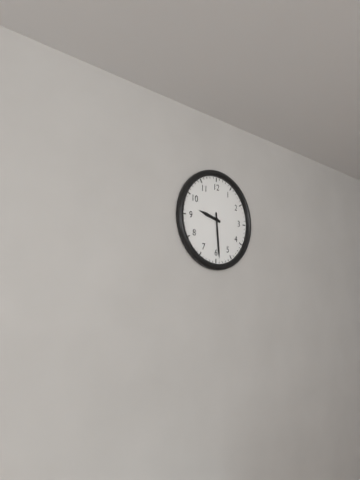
9,29
